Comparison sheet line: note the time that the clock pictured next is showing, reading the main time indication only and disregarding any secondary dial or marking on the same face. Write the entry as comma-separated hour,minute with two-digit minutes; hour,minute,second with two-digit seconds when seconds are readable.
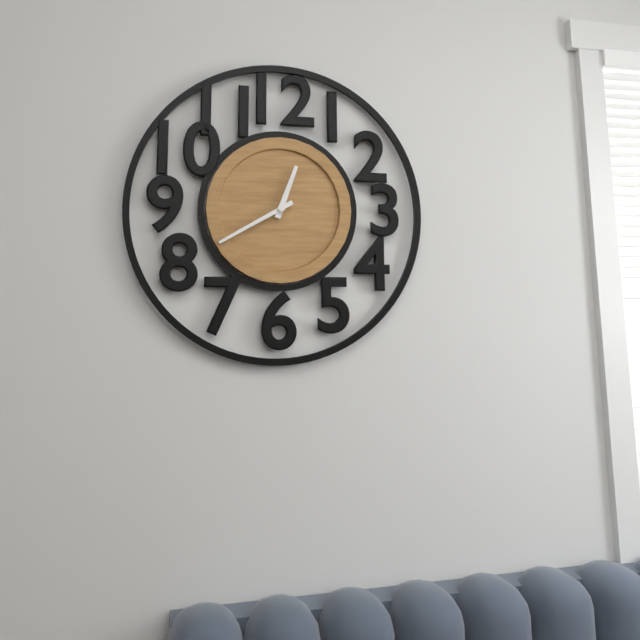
12,40
